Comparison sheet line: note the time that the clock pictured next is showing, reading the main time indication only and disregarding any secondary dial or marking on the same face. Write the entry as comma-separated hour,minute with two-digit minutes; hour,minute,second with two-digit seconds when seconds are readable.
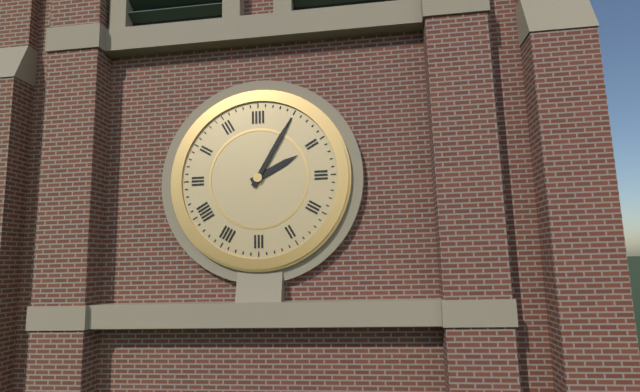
2,05
